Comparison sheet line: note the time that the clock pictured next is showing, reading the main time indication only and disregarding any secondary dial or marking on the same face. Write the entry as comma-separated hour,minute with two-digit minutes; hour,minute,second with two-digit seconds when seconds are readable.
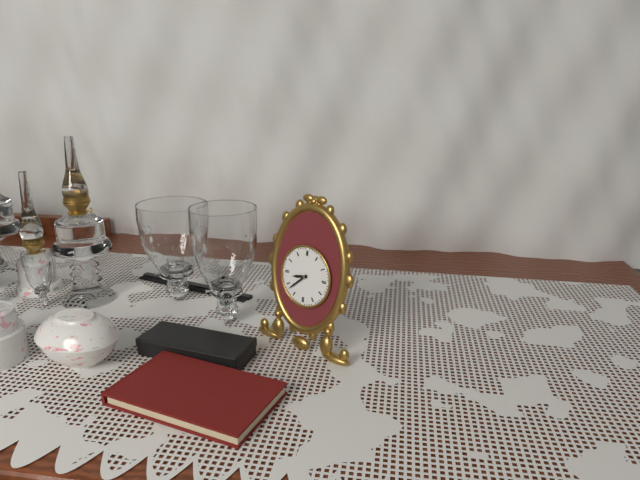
8,38
